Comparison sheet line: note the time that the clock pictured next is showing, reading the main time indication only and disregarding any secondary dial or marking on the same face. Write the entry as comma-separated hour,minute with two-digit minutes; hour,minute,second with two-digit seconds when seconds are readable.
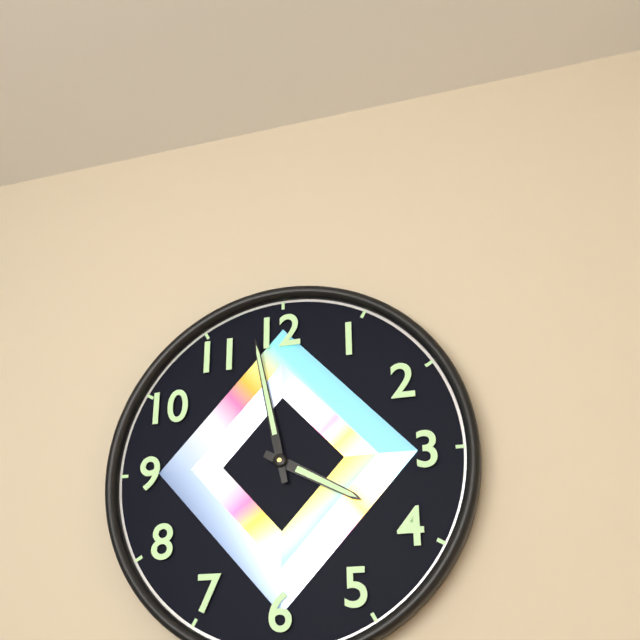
3,58
